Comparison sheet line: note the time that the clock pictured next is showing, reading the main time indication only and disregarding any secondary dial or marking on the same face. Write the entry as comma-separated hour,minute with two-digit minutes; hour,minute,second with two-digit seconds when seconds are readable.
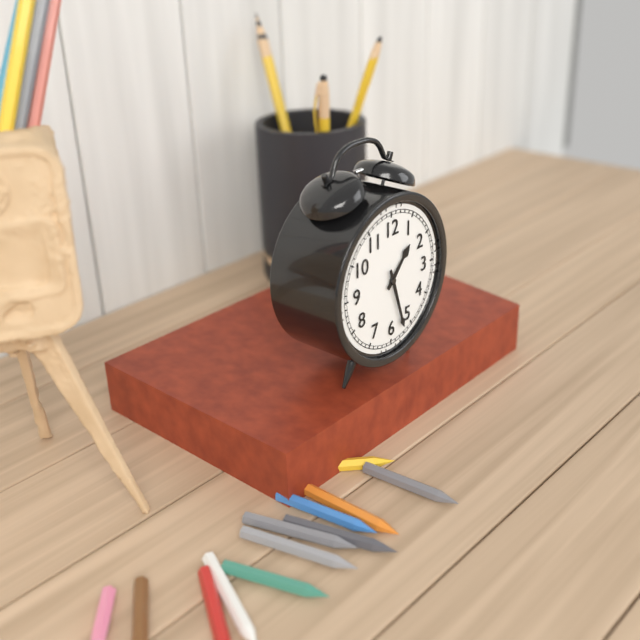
1,27
